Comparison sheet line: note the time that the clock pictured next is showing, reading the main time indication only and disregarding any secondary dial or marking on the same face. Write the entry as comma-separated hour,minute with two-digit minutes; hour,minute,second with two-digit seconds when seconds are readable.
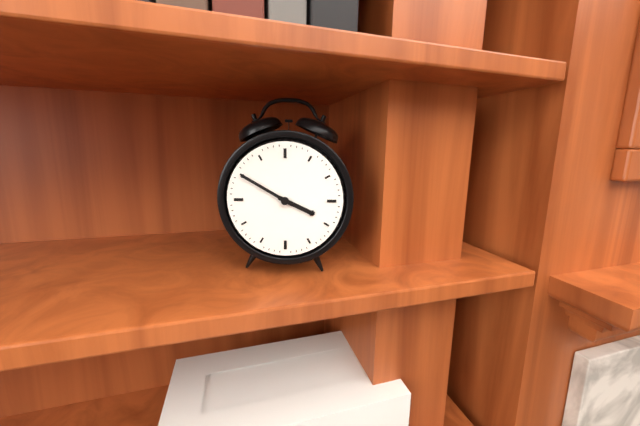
3,50
